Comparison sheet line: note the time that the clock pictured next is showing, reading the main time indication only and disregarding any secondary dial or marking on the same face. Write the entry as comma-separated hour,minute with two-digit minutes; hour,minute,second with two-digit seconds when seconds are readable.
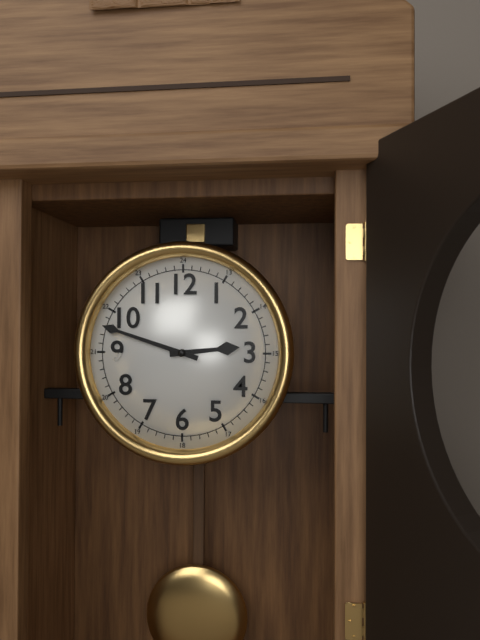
2,48
